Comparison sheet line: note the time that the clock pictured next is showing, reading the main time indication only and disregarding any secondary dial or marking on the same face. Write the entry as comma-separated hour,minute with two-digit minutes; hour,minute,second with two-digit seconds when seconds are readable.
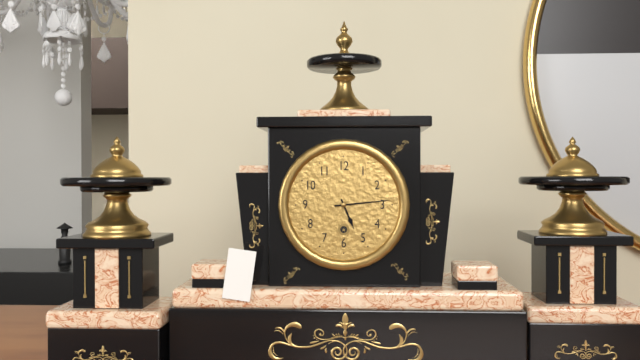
5,14
